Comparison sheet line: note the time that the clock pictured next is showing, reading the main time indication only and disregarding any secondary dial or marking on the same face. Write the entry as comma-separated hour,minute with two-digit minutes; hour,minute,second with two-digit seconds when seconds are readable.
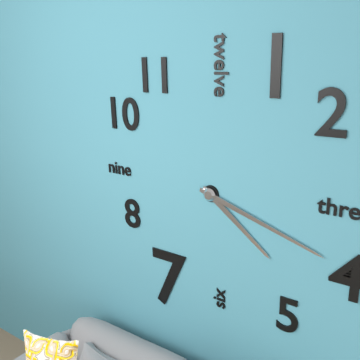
4,18
